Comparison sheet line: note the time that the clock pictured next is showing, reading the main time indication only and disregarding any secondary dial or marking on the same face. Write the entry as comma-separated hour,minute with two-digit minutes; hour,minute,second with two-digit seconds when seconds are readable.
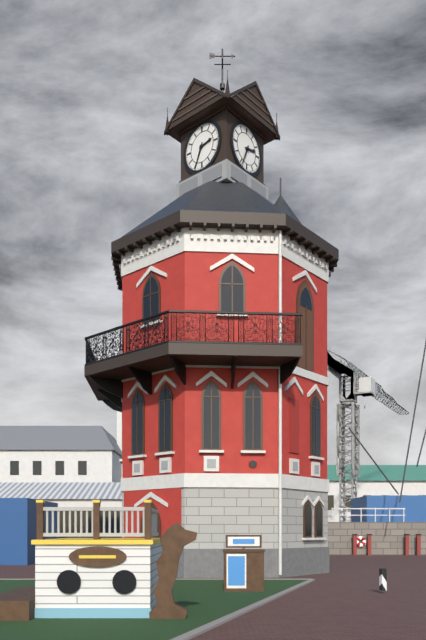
2,34
